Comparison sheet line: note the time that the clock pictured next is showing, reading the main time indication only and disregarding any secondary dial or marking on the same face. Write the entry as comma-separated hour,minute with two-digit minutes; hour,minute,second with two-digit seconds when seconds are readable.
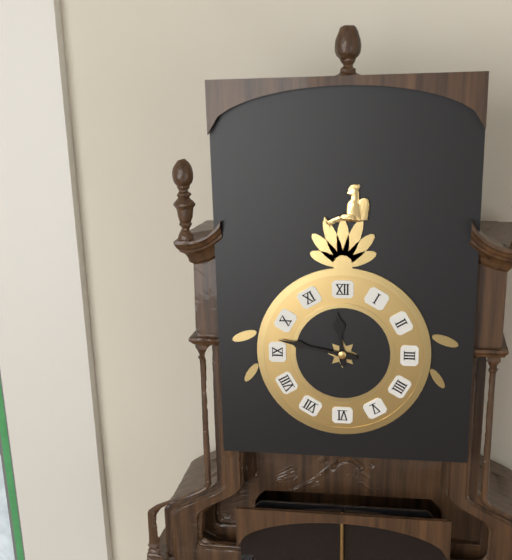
11,47
